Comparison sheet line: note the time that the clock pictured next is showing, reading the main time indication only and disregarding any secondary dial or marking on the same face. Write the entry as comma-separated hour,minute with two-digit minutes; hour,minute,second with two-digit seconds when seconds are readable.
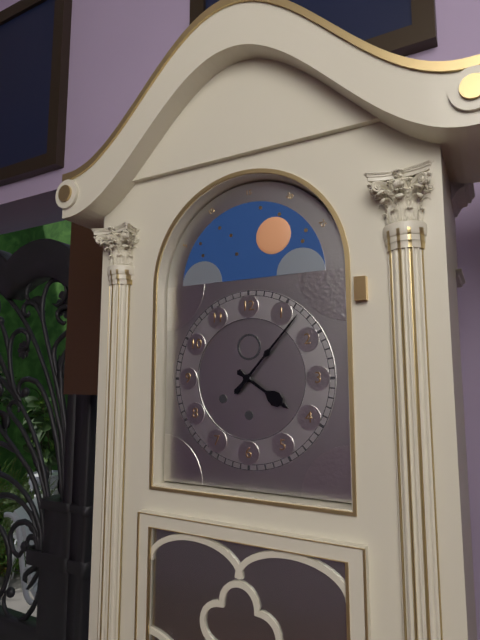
4,07
